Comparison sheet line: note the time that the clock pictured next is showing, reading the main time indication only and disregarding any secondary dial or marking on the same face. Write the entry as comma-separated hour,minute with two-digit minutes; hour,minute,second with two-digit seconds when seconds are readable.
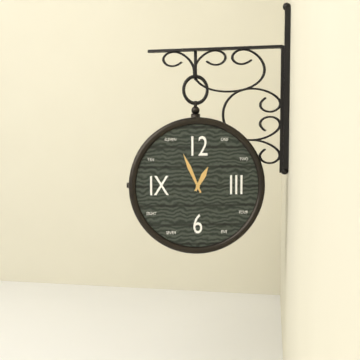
12,56
